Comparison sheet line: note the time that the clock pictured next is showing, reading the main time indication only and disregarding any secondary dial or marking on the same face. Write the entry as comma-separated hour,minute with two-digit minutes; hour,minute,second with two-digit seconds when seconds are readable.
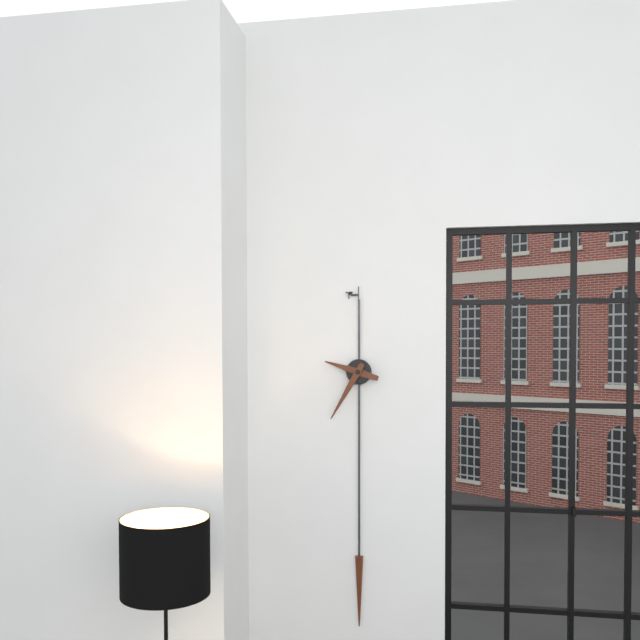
9,35
